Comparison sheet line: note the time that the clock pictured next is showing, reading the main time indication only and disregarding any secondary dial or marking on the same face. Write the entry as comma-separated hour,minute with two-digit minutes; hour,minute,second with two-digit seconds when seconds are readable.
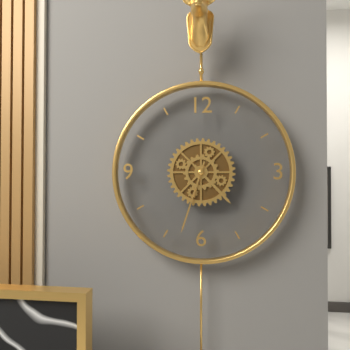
4,33
